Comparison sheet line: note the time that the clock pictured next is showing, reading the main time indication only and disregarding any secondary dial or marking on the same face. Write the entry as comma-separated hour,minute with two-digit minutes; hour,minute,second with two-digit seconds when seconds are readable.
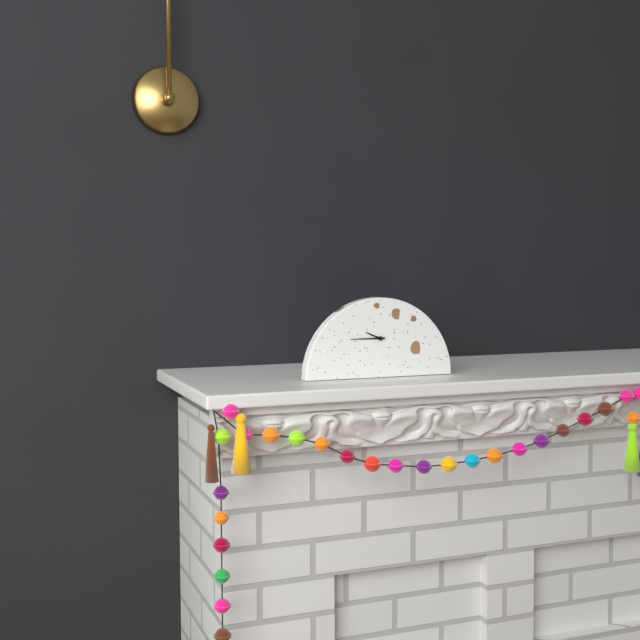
9,45
